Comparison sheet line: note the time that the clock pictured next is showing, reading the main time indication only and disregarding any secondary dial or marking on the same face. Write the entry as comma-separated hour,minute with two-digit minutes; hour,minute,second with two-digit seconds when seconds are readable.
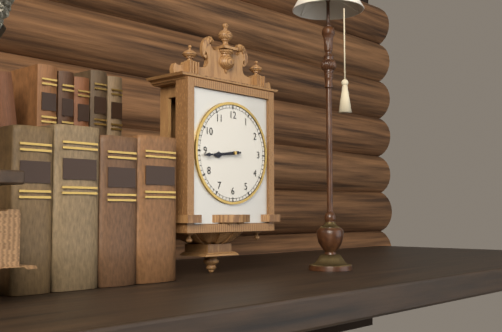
8,44
